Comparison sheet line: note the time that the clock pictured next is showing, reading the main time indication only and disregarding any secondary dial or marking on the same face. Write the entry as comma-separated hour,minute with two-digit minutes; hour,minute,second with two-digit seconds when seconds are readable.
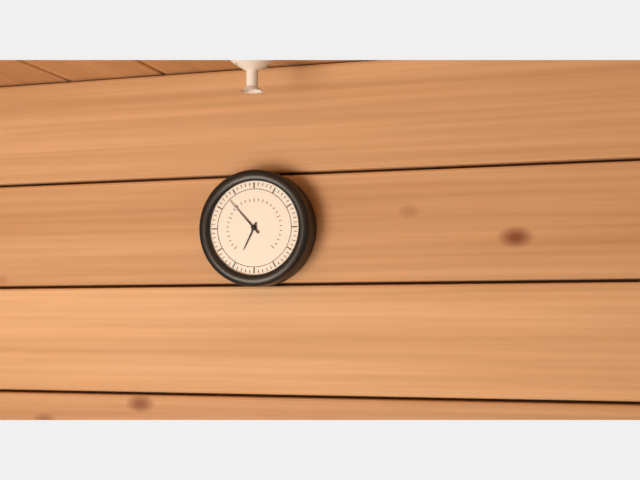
6,53
